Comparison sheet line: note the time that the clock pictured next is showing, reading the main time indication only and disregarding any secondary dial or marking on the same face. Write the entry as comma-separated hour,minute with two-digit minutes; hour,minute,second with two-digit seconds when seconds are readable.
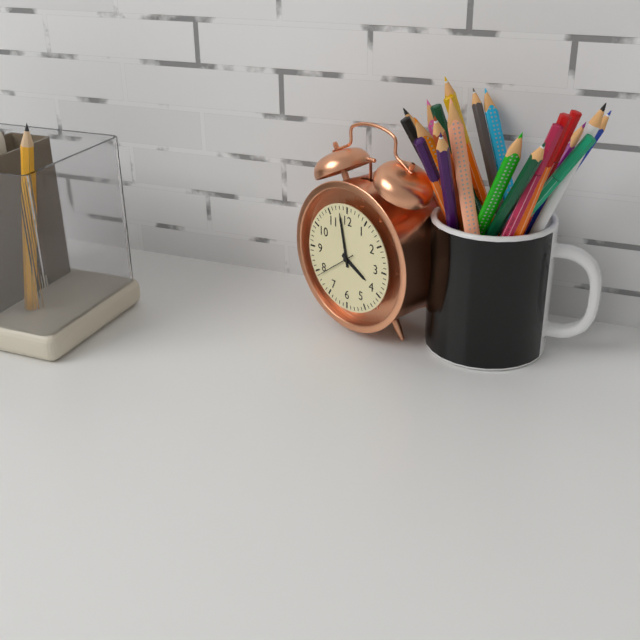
3,58
